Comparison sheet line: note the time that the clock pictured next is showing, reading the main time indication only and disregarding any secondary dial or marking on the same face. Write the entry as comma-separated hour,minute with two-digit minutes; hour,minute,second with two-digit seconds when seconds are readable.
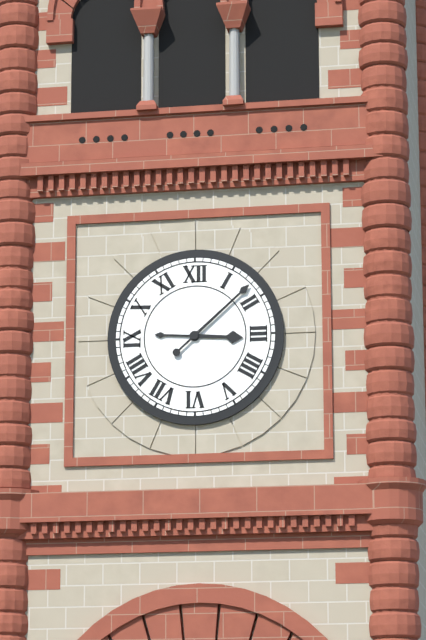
3,08
